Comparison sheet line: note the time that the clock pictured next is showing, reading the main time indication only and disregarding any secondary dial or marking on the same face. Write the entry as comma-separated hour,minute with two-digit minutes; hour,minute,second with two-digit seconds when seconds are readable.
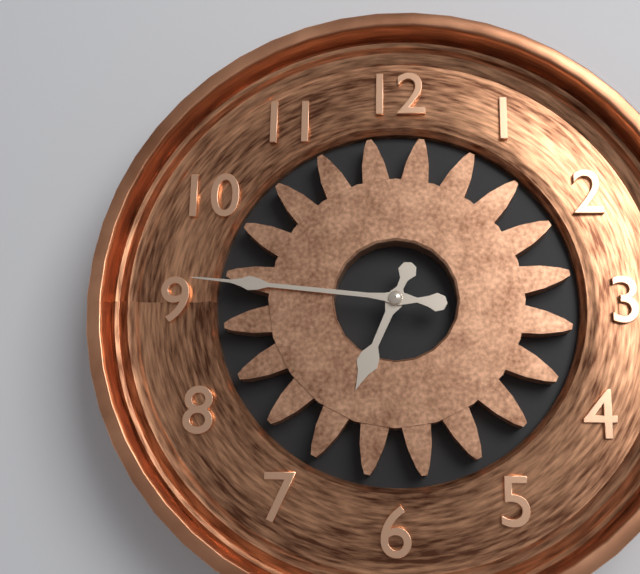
6,46
